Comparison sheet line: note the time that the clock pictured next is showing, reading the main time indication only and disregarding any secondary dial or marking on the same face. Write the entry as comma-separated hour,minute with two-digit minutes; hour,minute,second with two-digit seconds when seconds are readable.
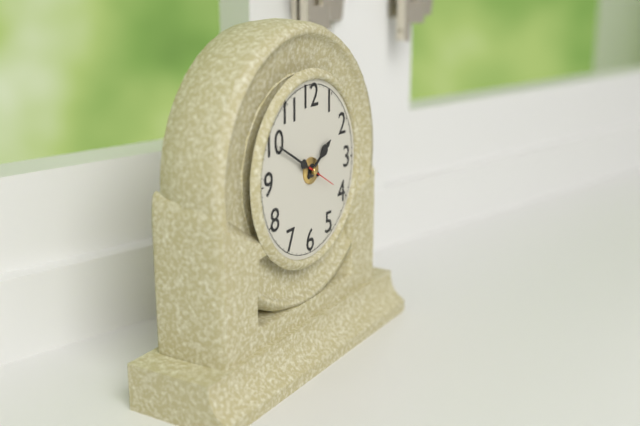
1,50
